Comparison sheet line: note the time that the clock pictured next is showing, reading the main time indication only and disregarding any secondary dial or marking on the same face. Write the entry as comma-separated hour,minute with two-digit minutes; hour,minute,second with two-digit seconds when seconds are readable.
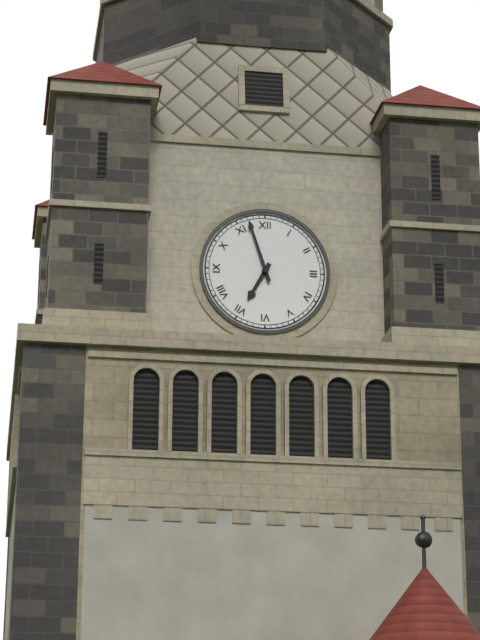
6,57
